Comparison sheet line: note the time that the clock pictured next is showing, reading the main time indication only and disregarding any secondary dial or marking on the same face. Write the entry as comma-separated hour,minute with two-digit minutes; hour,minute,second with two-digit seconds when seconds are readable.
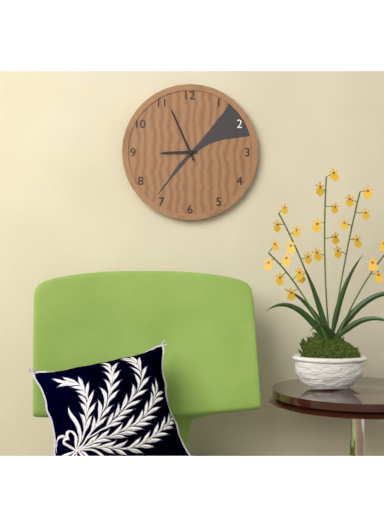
8,56
